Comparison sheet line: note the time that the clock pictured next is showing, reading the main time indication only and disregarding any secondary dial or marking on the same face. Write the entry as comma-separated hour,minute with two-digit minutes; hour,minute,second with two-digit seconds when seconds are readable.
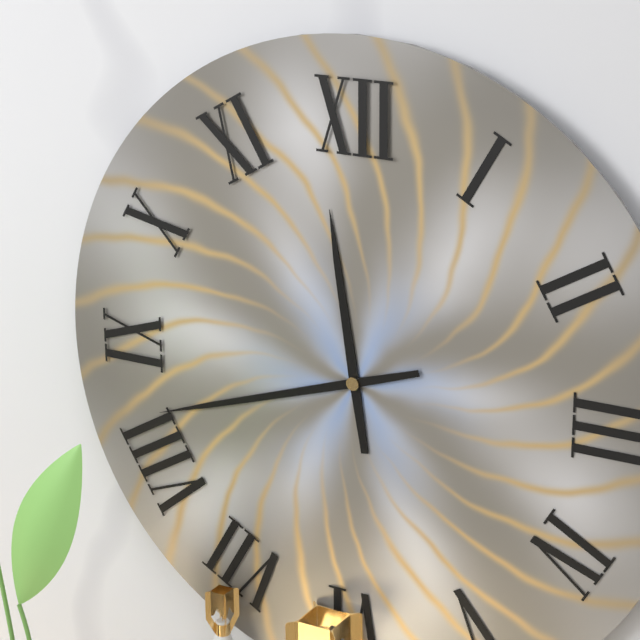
11,42
